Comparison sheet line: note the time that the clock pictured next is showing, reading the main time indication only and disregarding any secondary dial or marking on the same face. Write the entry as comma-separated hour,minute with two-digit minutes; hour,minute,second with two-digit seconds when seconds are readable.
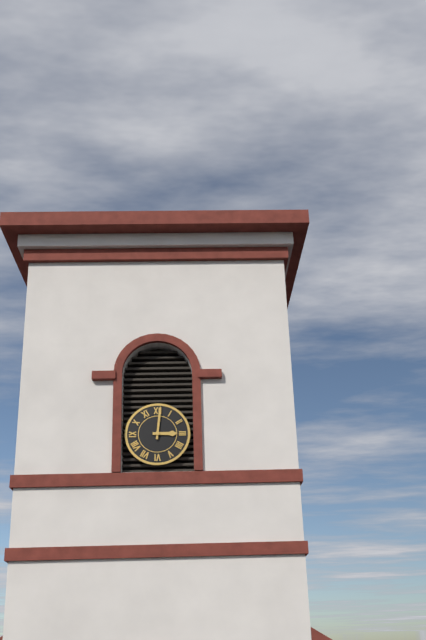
3,01
